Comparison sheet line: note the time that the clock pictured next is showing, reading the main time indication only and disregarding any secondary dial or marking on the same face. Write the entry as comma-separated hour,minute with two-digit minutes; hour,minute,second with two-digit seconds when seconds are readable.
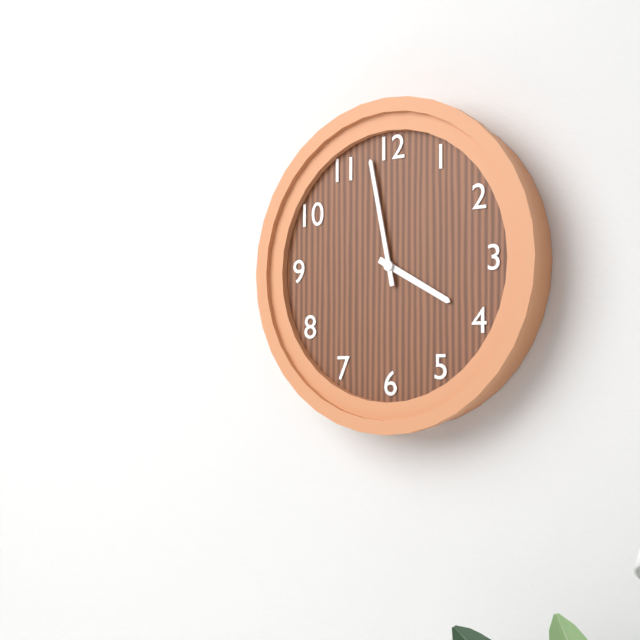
3,58
